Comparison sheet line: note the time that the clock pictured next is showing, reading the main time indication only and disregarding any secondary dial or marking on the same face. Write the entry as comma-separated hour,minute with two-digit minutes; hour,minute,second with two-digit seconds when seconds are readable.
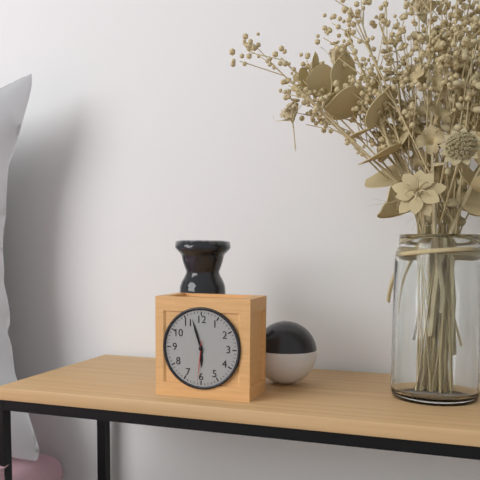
5,57
